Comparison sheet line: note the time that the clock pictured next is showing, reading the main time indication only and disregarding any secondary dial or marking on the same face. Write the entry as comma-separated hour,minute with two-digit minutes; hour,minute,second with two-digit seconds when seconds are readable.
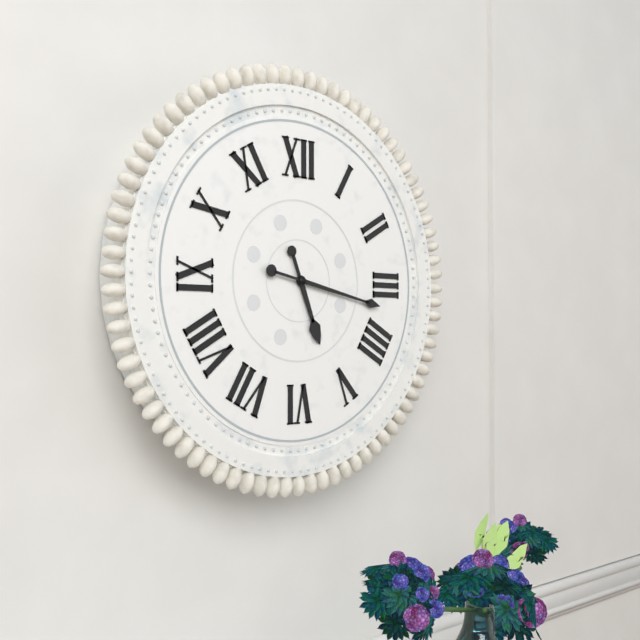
5,17
